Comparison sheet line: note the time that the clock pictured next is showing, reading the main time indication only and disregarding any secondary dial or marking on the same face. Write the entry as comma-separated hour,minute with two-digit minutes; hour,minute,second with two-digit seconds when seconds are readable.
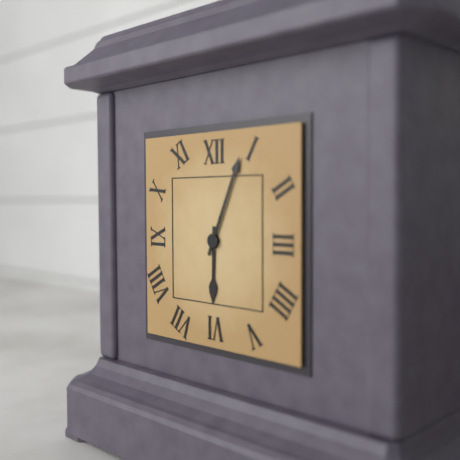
6,04
